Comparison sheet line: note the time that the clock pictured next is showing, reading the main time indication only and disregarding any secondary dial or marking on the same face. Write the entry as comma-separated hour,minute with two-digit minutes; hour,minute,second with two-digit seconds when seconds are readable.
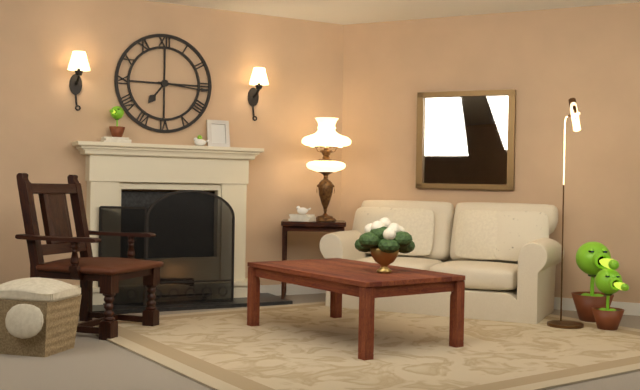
7,16
